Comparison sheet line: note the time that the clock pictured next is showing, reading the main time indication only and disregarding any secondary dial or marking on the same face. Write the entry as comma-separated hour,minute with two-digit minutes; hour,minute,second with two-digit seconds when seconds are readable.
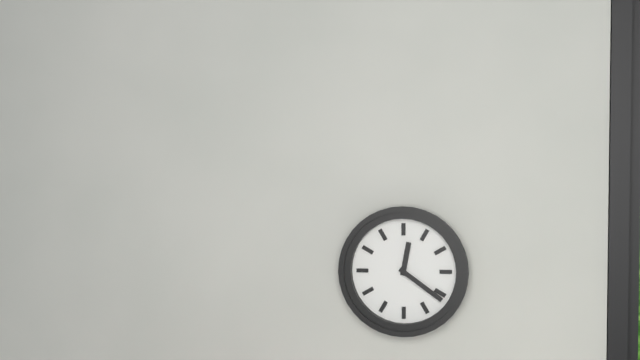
12,21
